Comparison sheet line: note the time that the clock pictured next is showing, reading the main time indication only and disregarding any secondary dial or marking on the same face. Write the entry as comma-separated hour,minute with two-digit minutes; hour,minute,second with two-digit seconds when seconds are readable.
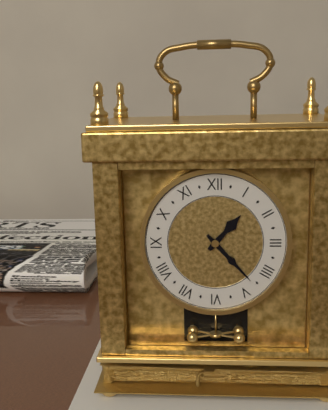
1,23
